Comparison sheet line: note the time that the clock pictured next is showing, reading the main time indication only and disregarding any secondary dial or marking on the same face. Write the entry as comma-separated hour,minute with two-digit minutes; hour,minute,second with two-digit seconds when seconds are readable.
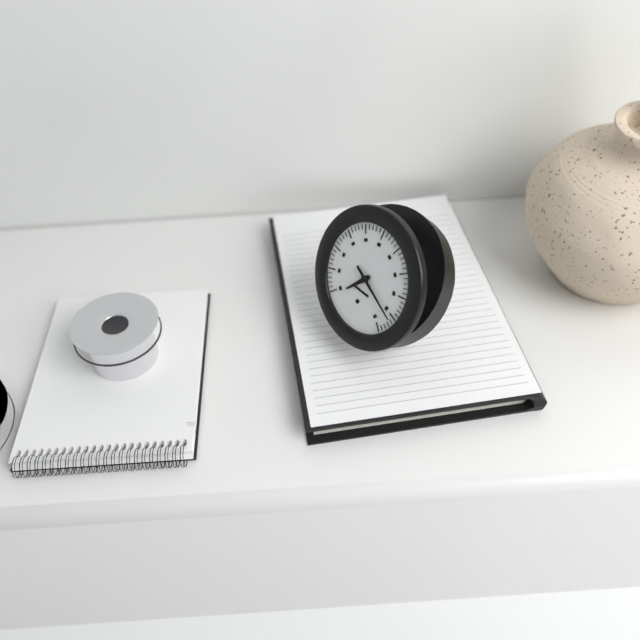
7,19
